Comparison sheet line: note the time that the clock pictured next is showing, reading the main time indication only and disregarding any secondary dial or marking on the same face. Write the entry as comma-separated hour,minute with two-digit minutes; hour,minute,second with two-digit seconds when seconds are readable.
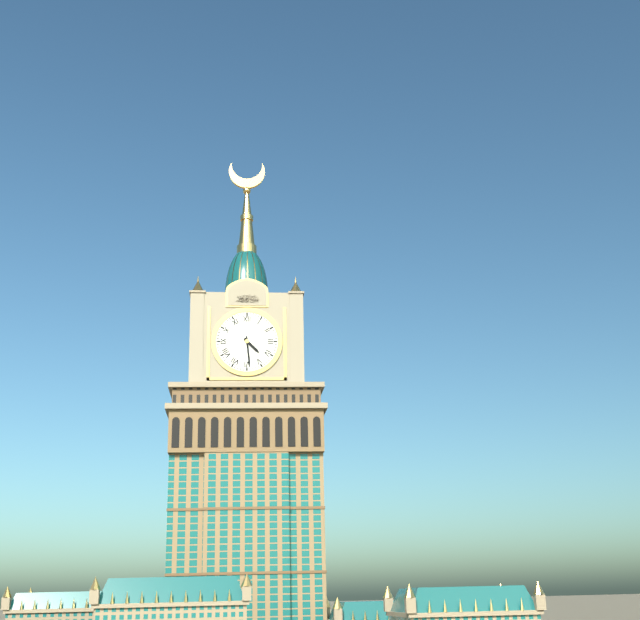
4,29
